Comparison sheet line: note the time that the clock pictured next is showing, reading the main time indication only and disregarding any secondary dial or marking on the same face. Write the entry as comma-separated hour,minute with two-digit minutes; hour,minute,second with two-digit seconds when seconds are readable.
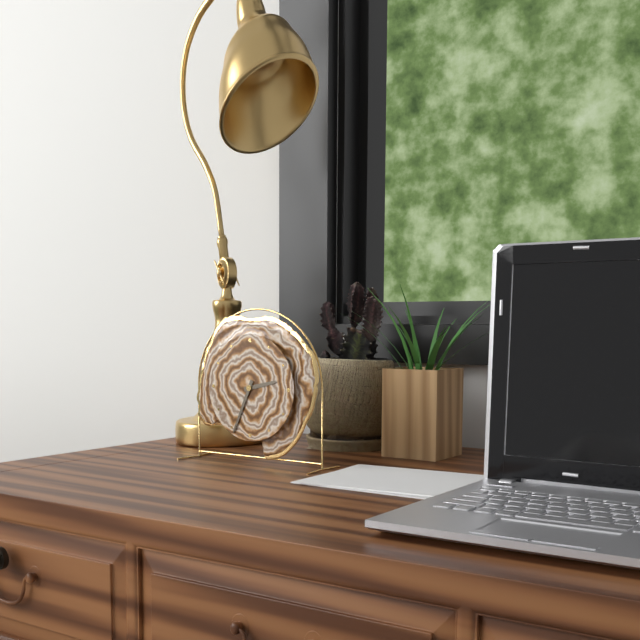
2,34
